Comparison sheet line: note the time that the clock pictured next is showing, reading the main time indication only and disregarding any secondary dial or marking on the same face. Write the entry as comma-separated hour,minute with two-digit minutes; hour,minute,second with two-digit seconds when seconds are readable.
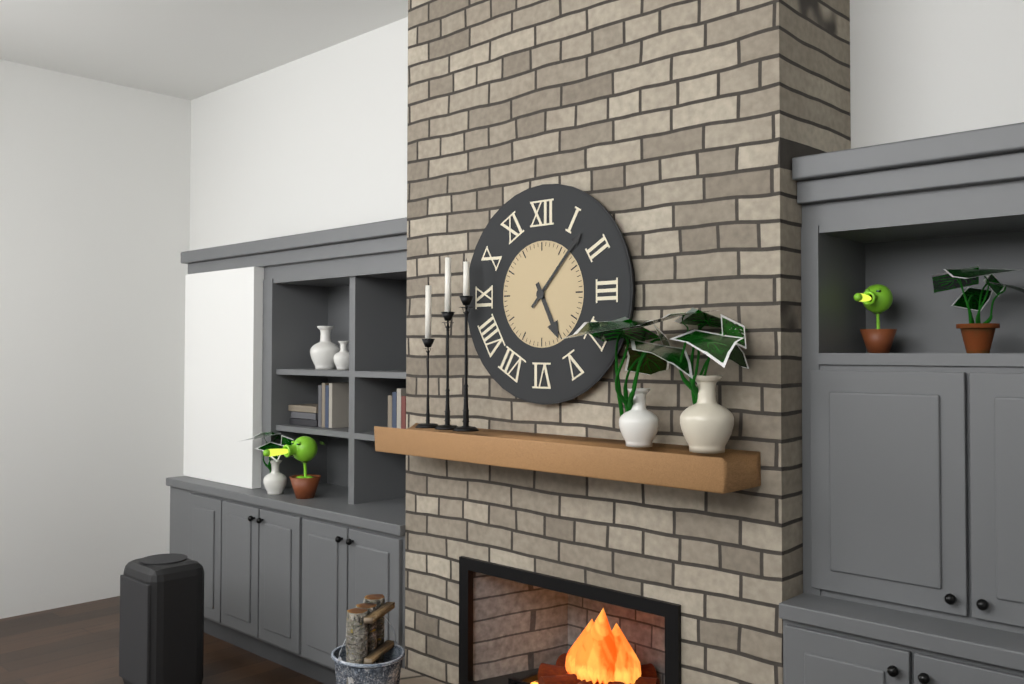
5,07
